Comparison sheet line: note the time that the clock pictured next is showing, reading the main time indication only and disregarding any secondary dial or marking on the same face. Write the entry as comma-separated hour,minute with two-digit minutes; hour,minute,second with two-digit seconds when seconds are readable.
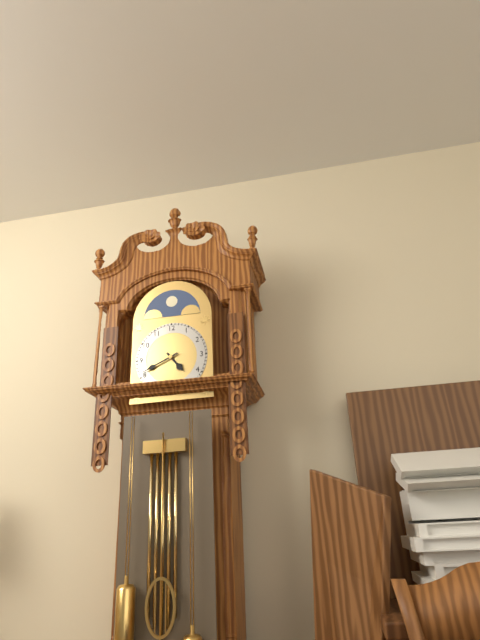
4,41
